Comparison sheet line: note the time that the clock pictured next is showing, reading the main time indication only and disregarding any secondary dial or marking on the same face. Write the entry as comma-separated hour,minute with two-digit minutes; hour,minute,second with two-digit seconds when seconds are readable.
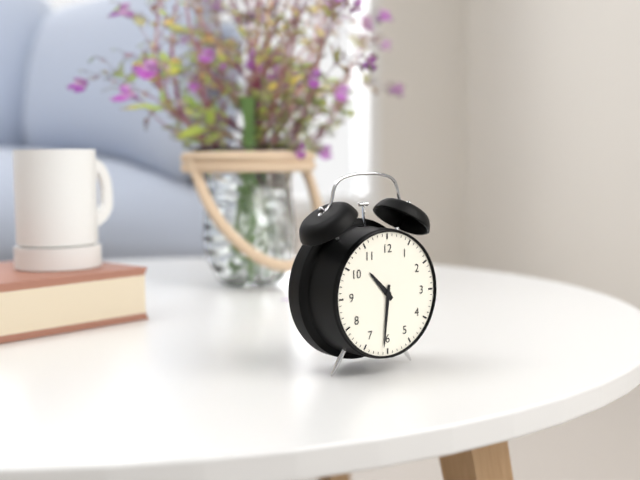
10,31
